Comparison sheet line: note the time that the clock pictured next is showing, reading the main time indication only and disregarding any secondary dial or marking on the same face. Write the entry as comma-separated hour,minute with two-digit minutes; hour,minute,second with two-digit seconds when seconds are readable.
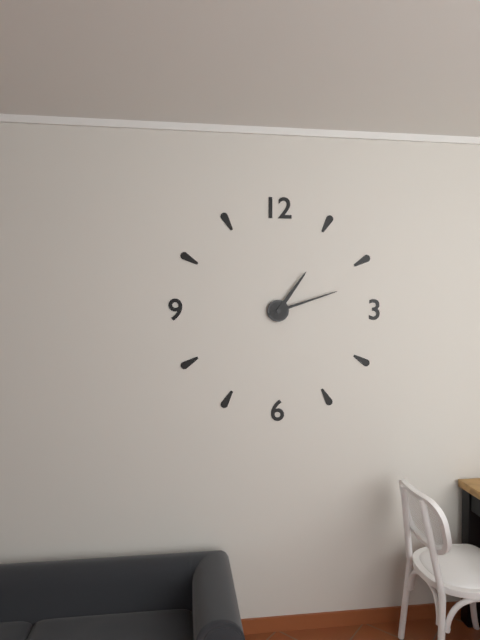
1,12
